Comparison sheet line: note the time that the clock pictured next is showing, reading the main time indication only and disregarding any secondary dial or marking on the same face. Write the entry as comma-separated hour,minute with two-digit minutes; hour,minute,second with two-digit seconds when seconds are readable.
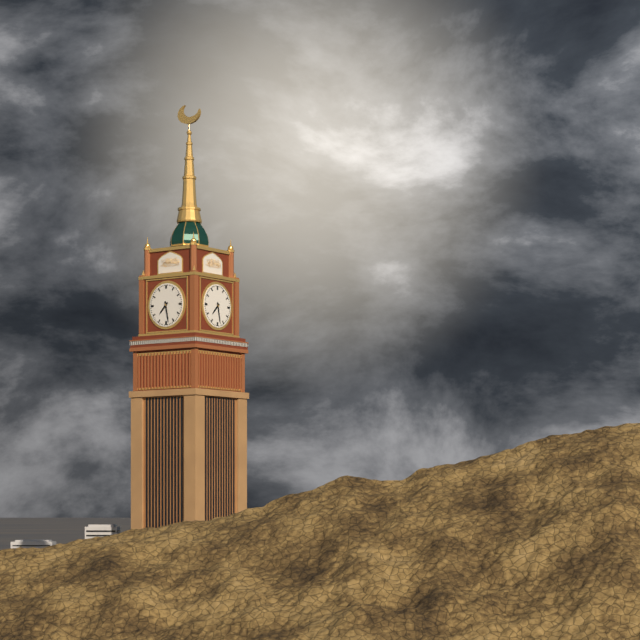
7,28
